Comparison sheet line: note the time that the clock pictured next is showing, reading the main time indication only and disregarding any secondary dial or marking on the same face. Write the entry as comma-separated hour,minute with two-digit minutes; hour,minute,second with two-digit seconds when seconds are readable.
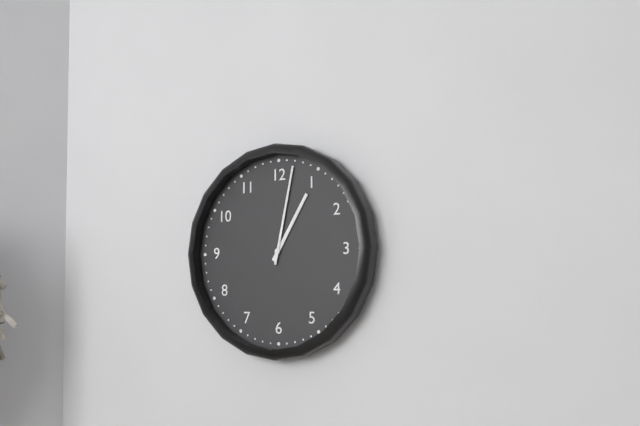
1,02
